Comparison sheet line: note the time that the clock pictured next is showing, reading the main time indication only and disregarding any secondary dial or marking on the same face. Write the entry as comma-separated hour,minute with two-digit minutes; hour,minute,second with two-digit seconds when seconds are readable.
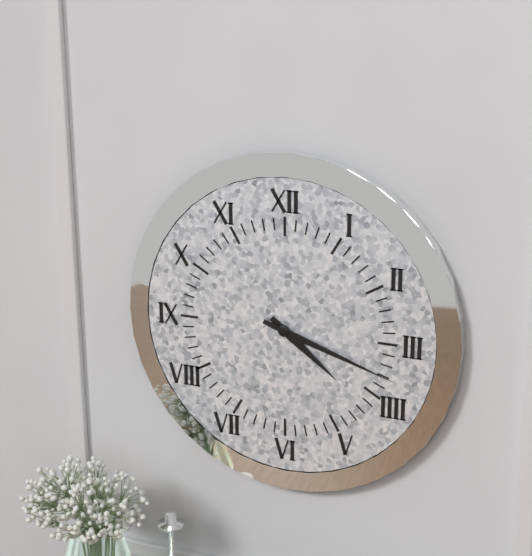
4,18
